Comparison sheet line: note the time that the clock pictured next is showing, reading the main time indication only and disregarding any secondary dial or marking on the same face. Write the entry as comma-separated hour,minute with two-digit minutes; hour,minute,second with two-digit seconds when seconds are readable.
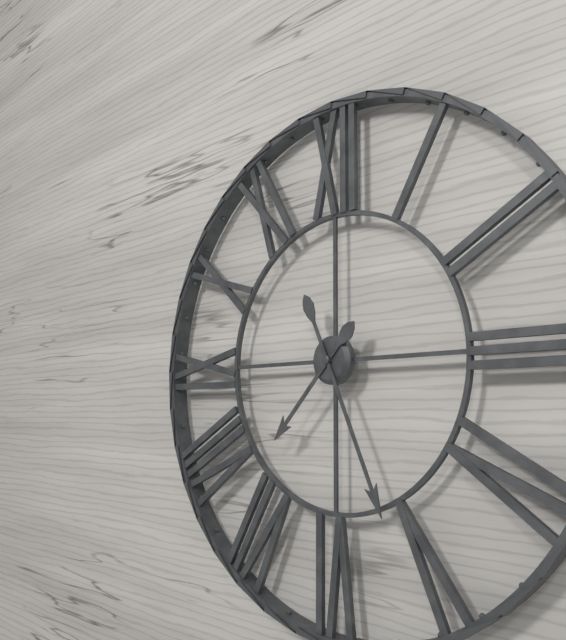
7,26
